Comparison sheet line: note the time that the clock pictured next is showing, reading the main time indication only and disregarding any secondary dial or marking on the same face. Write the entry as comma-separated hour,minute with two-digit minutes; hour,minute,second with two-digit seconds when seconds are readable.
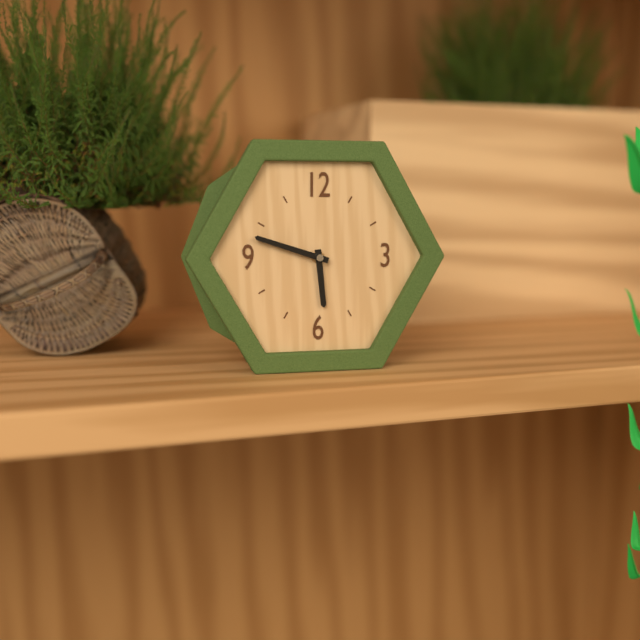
5,48
